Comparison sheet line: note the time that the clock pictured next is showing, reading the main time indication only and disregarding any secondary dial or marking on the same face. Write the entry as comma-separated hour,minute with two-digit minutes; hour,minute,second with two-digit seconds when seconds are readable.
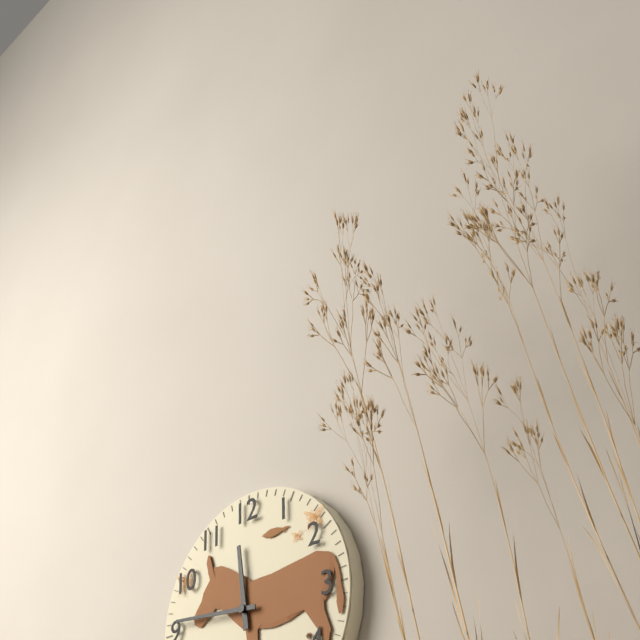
11,46
